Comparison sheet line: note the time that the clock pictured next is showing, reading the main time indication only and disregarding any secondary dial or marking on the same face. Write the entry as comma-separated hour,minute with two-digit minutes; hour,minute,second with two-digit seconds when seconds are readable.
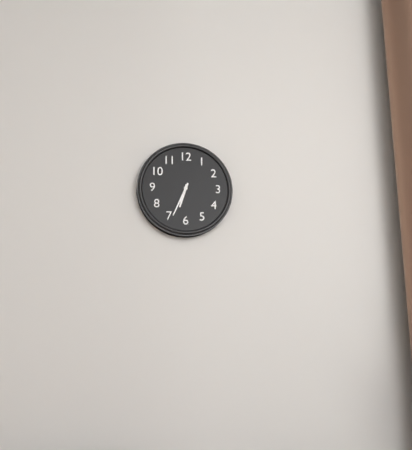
6,34
